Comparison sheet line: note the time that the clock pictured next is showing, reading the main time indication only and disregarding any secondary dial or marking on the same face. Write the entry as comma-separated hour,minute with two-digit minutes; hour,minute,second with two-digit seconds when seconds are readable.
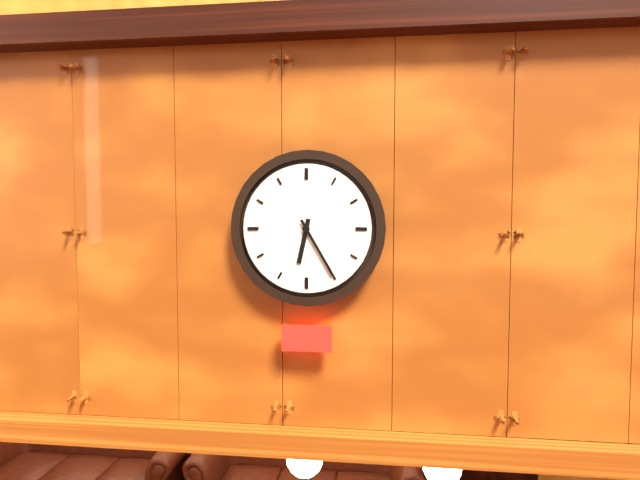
6,25
